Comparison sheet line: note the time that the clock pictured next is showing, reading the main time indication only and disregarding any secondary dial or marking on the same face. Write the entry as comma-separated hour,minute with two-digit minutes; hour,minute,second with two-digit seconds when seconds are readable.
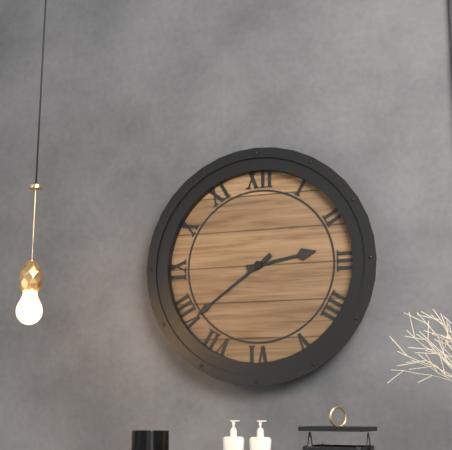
2,39
